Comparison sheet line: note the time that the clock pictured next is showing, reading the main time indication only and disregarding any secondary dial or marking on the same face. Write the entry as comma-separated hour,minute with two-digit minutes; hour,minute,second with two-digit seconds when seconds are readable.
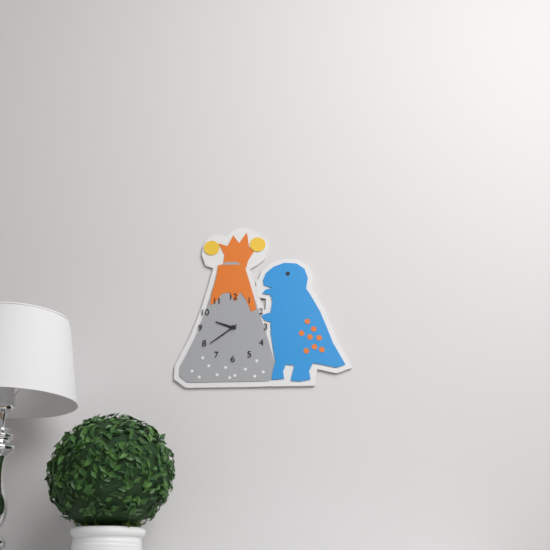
9,39
